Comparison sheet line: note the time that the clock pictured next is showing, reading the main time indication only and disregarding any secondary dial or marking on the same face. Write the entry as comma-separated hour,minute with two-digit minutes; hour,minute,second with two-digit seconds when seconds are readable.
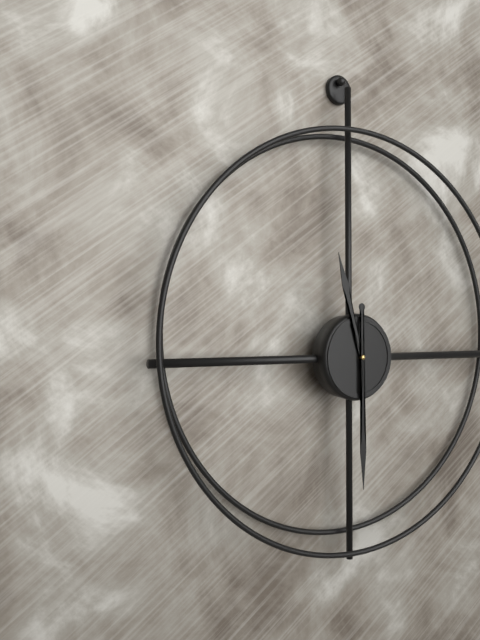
11,30
